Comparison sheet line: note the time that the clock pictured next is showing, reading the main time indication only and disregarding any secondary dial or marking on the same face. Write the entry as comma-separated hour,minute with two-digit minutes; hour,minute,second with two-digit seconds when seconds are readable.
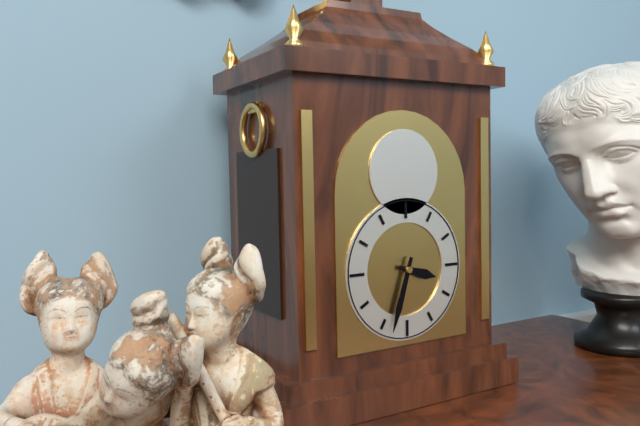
3,33
